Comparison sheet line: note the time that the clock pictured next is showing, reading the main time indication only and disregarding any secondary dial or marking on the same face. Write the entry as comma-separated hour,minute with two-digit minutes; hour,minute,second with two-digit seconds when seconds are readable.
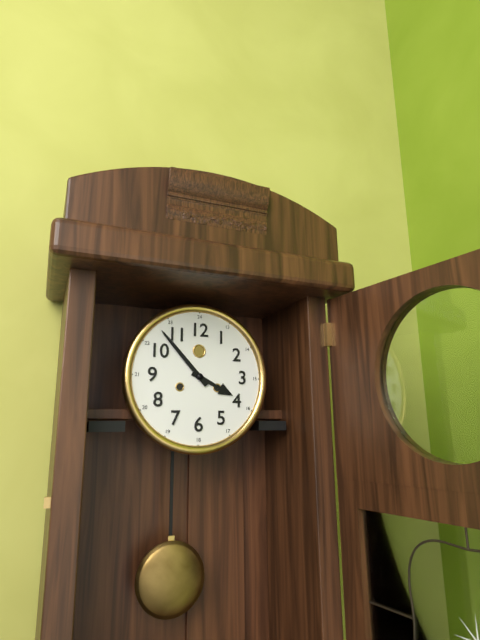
3,53
